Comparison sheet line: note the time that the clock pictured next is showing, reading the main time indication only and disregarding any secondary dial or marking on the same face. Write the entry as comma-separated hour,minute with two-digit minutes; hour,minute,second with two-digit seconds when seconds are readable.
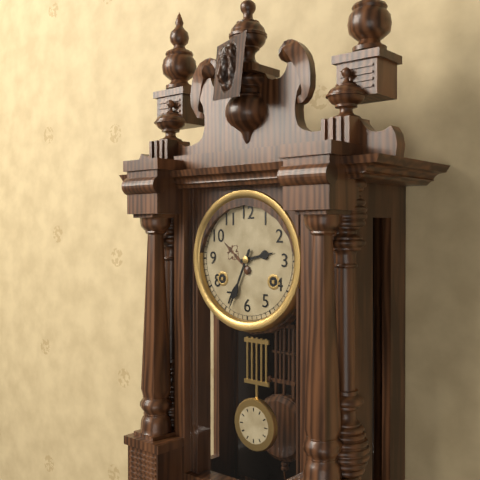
2,34
